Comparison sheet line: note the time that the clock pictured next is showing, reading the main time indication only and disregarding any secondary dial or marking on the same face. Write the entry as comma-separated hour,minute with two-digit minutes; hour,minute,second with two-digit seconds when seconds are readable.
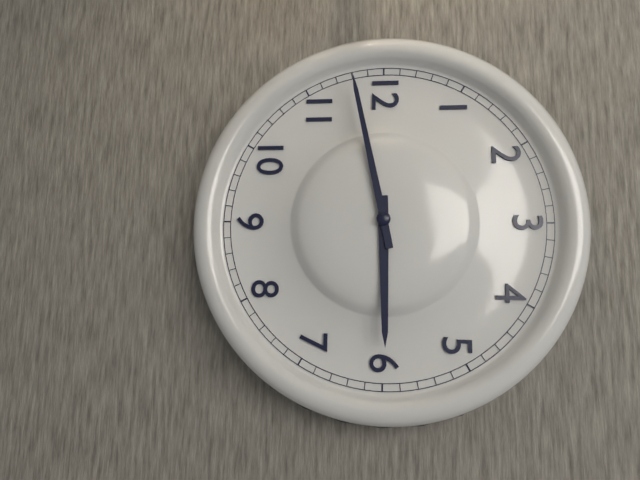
5,58
